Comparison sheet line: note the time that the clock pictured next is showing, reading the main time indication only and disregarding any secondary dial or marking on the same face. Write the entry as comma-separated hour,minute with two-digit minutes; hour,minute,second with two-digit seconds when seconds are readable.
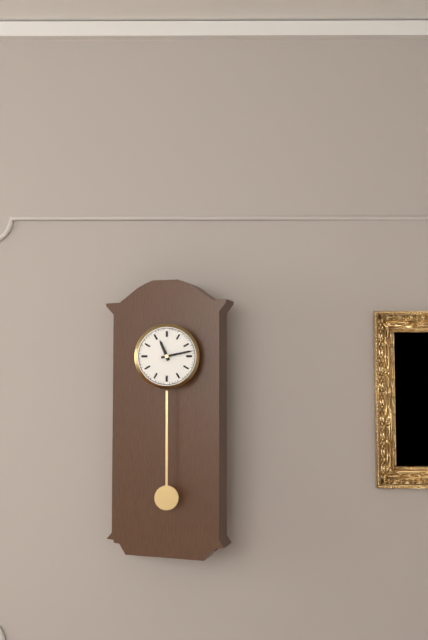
11,13
